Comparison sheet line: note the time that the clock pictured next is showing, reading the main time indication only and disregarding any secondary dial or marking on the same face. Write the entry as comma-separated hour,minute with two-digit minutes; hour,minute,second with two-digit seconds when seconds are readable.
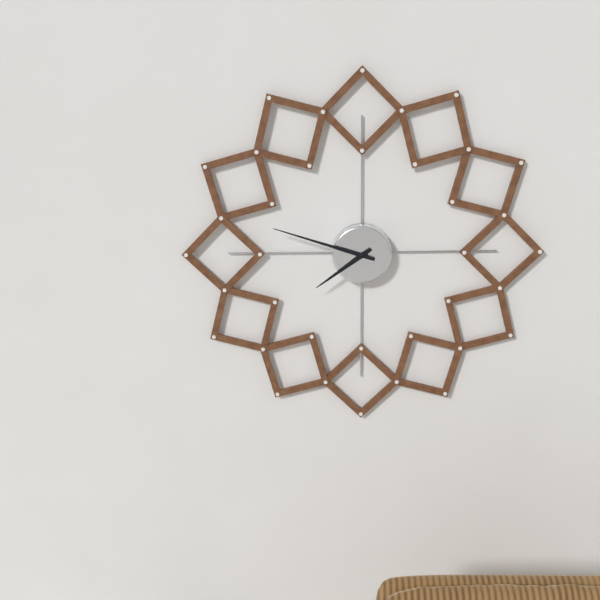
7,48
